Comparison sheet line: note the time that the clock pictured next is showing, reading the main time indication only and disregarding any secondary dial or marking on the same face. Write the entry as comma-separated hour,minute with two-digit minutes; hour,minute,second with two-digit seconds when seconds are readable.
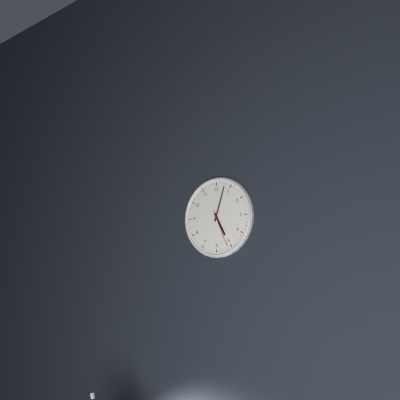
5,03
